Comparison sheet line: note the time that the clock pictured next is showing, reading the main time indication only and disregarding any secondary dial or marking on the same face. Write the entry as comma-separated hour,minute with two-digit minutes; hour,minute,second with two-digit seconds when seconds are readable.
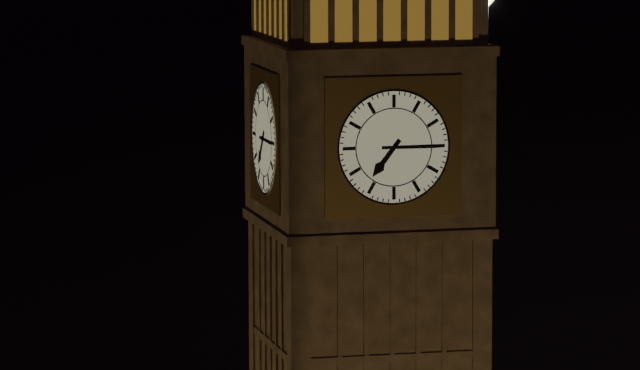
7,15
